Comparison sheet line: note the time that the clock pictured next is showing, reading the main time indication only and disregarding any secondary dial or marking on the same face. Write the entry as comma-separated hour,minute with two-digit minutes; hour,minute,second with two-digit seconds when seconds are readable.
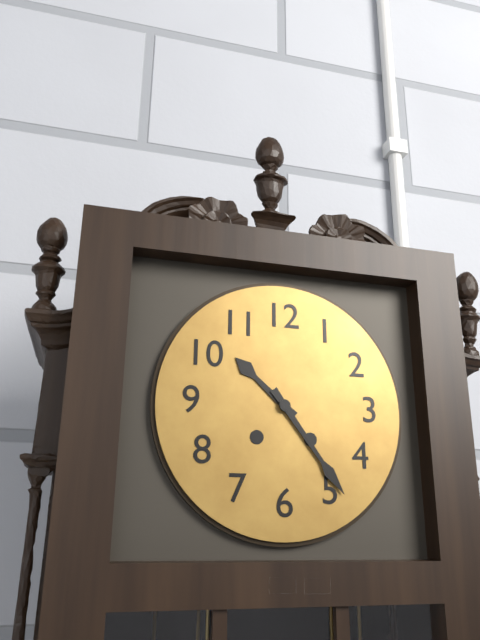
10,24
